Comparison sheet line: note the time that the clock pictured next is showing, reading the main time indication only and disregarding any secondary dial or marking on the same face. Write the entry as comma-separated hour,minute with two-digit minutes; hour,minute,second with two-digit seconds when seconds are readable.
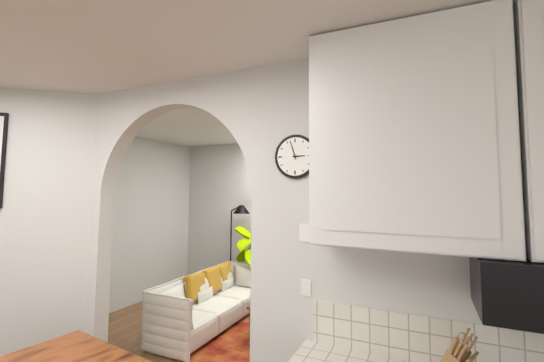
2,57
